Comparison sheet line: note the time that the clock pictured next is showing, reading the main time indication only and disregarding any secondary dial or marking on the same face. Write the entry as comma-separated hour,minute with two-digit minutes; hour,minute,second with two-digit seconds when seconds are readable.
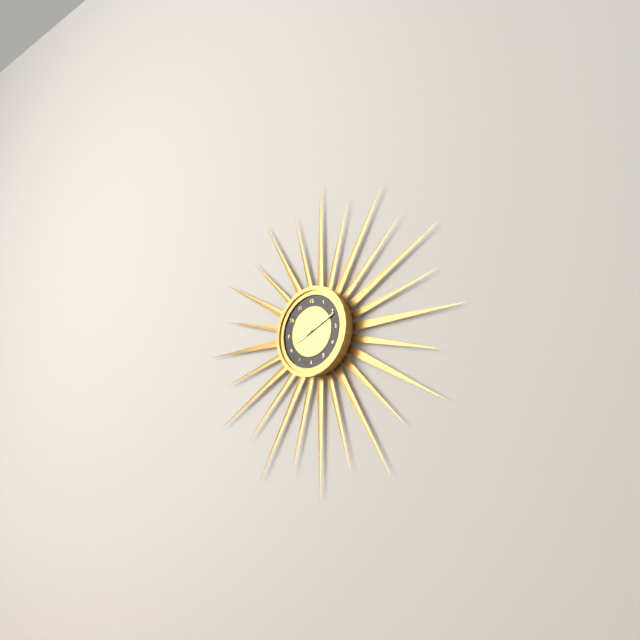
8,11
